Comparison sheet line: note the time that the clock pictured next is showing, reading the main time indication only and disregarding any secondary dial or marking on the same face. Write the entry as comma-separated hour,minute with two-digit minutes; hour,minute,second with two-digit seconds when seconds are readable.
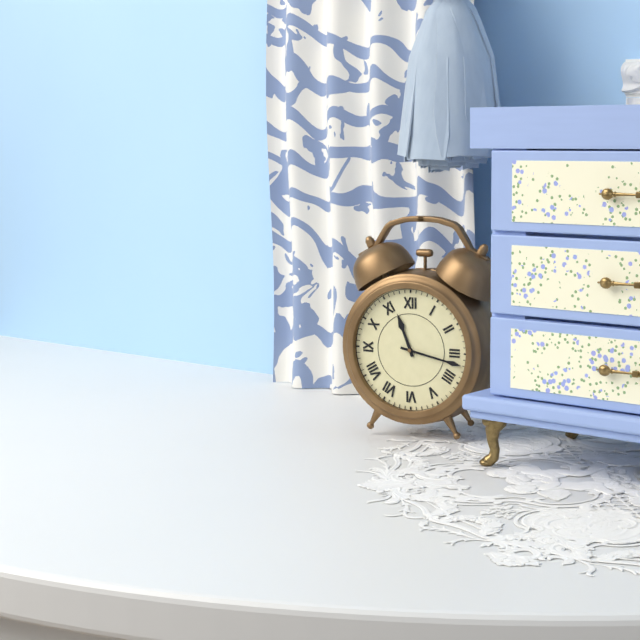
11,17
